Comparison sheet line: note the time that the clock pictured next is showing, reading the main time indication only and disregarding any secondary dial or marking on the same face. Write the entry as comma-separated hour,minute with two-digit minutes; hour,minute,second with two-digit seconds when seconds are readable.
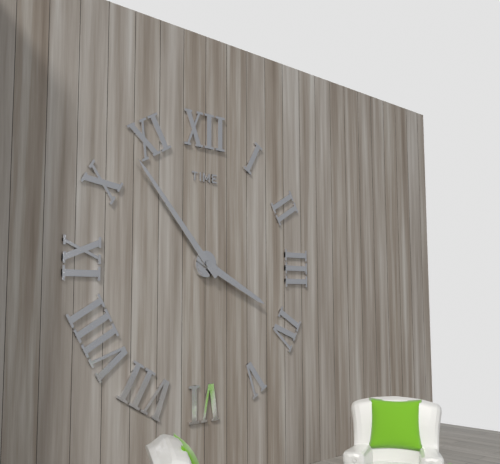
3,53
